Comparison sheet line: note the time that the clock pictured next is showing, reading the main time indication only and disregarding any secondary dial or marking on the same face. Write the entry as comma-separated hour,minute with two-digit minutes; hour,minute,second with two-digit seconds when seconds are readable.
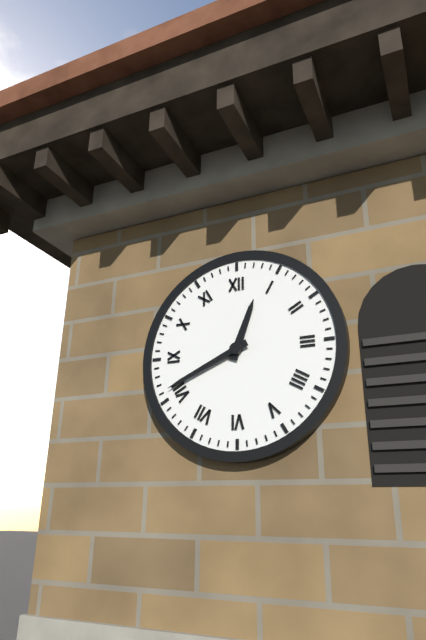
12,41
